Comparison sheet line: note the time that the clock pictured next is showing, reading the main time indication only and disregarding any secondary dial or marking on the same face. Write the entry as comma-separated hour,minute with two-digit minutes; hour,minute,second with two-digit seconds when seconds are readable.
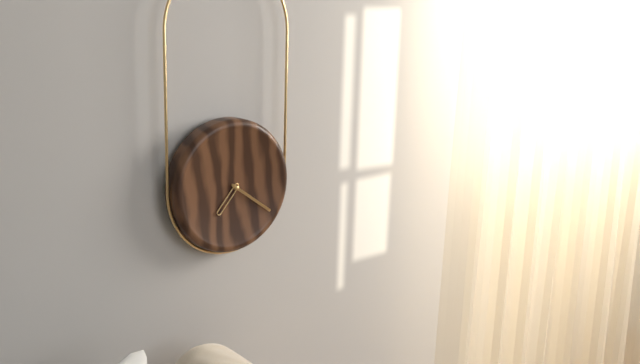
7,21
